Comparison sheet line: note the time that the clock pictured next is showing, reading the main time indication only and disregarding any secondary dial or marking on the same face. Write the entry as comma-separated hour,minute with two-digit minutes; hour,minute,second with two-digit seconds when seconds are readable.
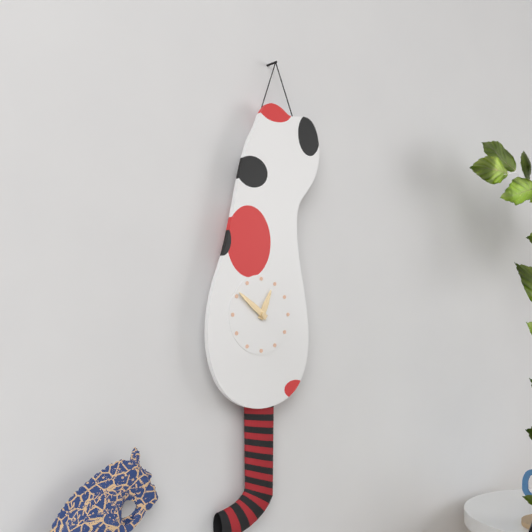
12,51
